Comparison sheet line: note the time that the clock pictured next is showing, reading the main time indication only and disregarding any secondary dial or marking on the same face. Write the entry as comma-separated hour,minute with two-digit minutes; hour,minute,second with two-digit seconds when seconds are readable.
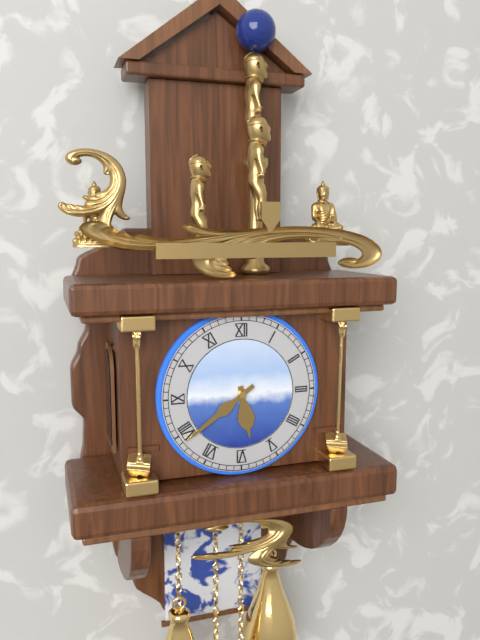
5,39
